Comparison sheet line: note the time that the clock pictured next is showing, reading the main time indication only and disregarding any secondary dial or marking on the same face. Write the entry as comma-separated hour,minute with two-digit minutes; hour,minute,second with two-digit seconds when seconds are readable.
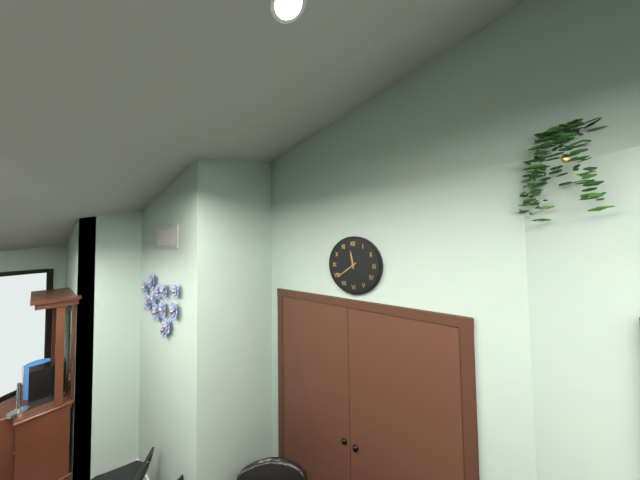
11,39
